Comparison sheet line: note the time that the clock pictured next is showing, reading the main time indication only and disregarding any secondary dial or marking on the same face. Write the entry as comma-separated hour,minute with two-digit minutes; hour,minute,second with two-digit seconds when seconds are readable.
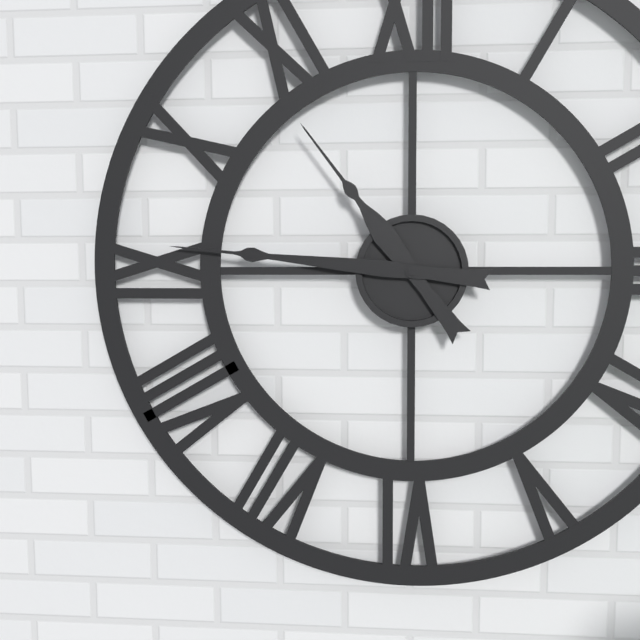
10,46
